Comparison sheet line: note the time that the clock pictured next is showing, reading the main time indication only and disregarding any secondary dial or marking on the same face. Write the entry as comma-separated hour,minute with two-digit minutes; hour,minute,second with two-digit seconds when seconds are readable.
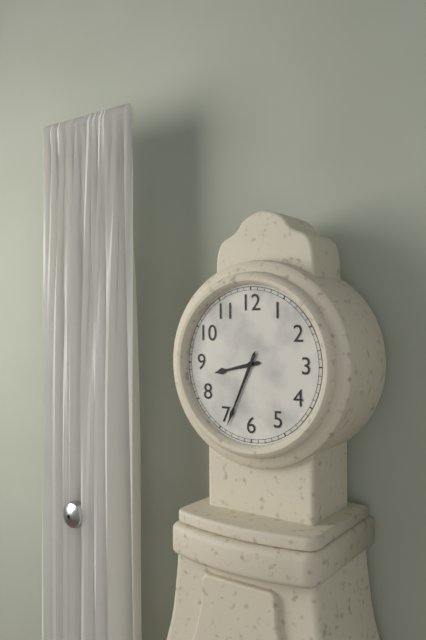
8,34
